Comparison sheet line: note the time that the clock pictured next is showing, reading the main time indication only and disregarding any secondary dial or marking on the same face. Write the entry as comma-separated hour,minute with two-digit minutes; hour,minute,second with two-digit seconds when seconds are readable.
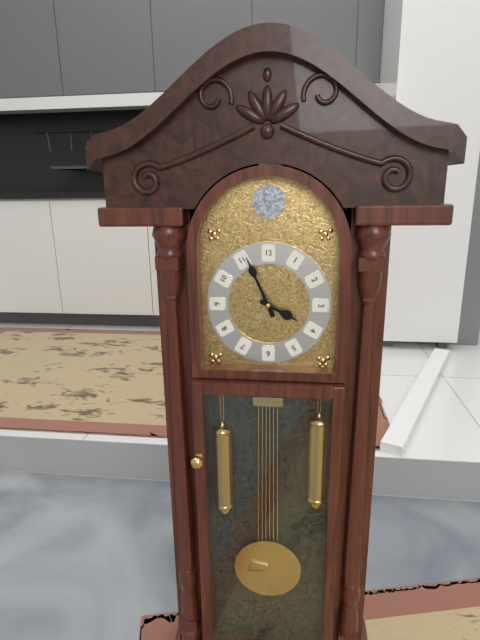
3,56
